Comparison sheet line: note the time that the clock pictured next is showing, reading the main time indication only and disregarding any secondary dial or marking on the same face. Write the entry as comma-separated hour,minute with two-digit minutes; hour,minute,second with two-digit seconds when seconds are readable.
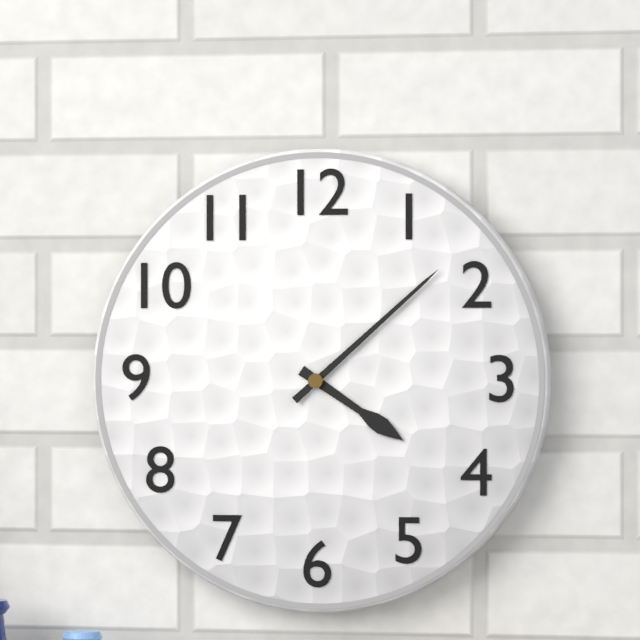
4,08
